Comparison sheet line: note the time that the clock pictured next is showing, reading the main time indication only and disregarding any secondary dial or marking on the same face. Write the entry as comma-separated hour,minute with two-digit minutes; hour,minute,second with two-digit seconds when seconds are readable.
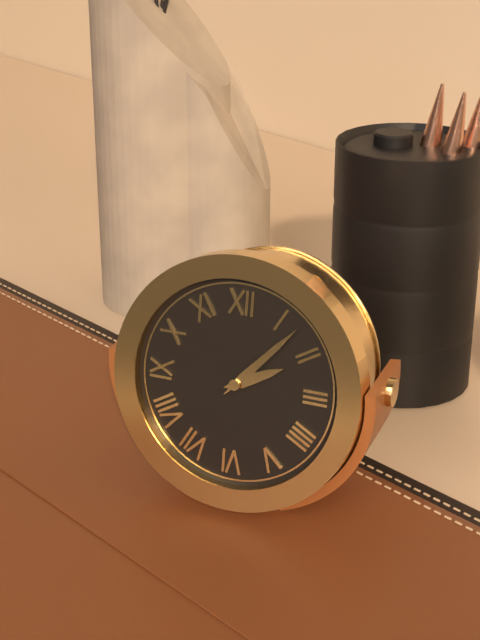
2,07
